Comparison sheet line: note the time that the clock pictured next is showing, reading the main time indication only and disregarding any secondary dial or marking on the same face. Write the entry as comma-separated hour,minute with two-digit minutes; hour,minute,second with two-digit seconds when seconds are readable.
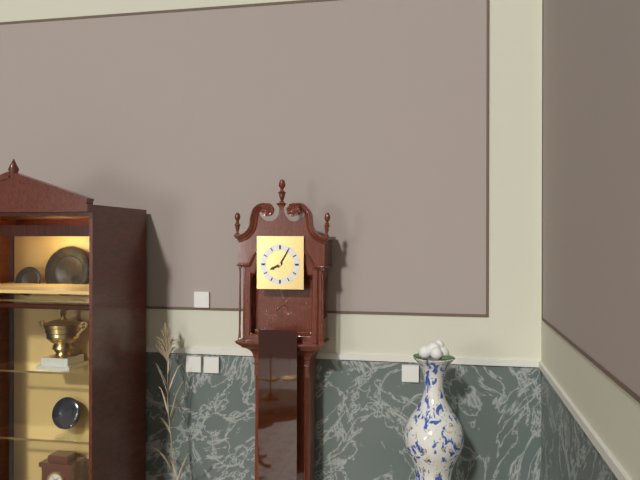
8,05
